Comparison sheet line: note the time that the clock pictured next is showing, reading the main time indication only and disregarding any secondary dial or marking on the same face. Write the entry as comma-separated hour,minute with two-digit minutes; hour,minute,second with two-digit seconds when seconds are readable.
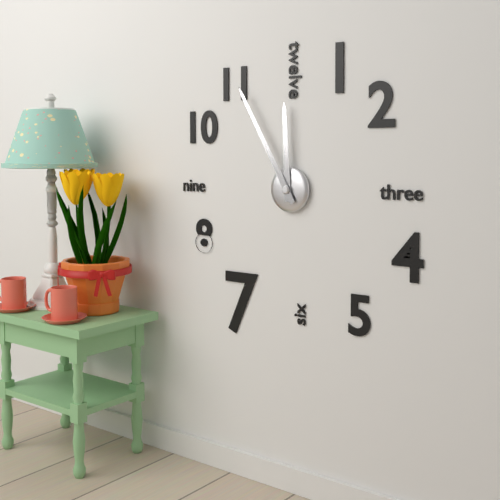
11,55
